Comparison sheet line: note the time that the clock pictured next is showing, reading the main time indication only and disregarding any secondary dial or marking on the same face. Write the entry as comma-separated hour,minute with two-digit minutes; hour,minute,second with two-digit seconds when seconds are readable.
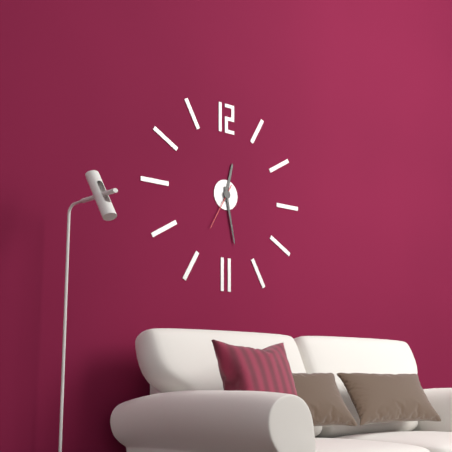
12,28
